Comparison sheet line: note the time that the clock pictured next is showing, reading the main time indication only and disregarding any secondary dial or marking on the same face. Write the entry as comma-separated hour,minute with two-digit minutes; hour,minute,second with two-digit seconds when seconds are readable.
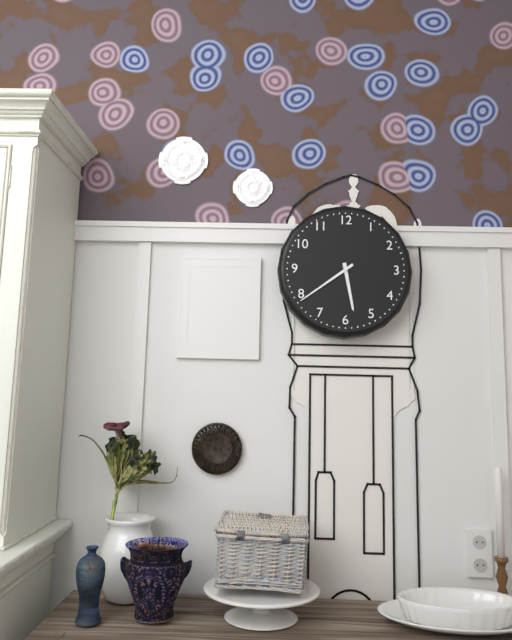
5,39
